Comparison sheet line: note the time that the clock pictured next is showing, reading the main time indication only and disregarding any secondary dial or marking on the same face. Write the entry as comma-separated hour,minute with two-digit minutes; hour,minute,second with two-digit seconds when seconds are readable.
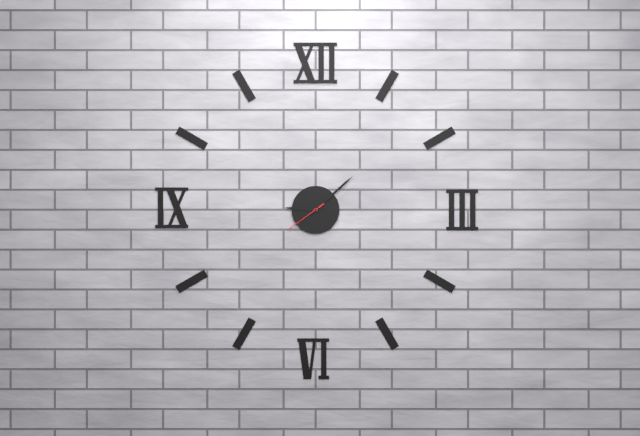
9,08
